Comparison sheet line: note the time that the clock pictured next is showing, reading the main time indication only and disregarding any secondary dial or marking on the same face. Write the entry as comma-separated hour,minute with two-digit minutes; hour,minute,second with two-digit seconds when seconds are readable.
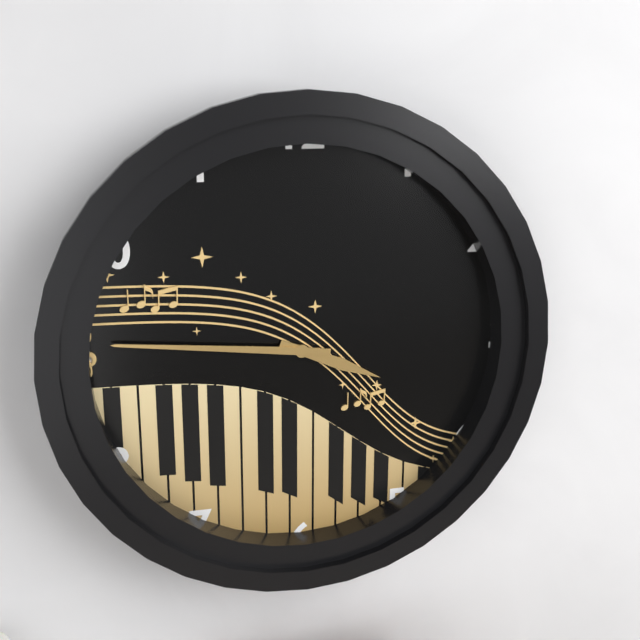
3,46
